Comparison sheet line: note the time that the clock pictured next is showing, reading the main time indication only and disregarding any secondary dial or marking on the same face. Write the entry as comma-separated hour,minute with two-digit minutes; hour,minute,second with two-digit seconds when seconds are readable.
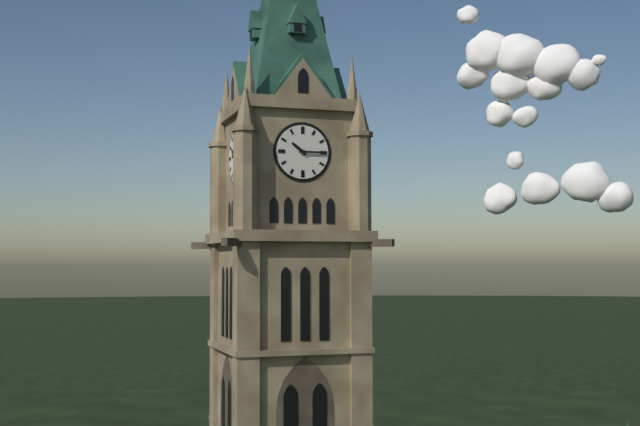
10,15
